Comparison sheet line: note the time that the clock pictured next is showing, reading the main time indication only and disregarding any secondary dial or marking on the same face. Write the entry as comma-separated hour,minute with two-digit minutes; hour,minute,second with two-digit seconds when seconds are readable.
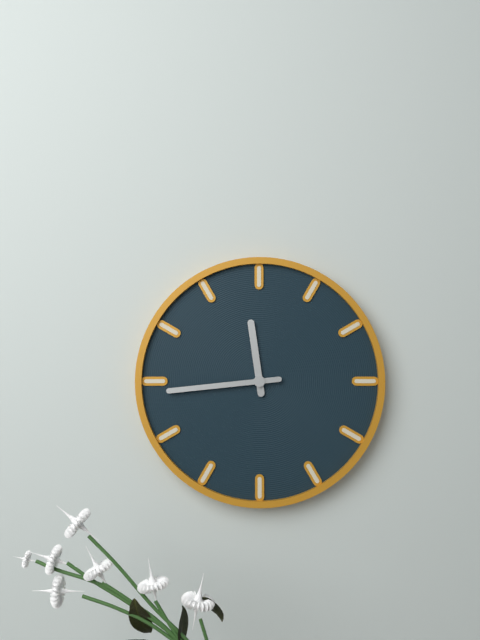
11,44
